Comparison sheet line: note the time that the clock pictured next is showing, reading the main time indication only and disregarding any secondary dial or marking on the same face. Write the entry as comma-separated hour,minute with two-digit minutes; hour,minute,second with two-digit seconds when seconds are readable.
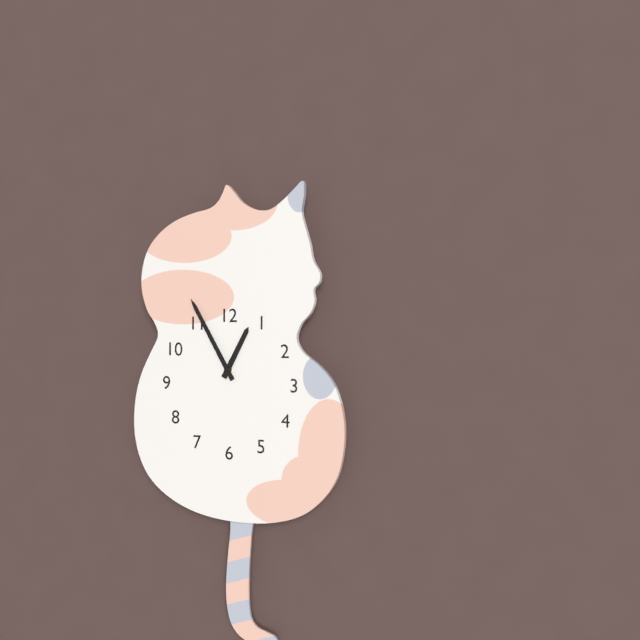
12,55
